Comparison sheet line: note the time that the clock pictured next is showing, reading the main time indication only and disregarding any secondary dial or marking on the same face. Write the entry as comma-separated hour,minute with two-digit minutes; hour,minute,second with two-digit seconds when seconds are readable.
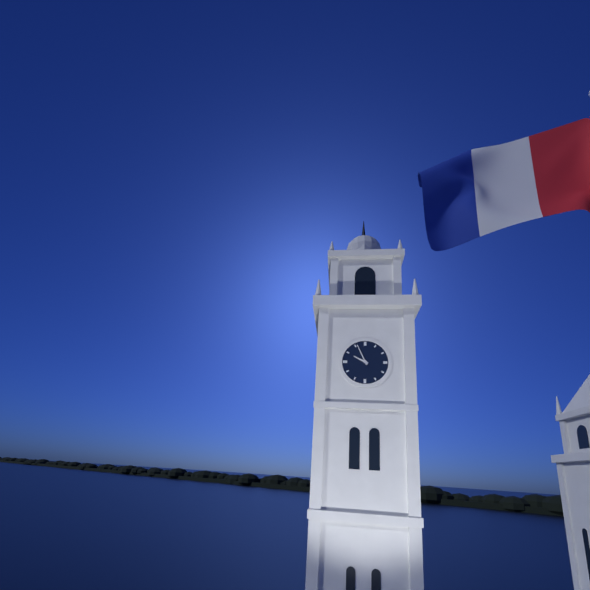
9,56
